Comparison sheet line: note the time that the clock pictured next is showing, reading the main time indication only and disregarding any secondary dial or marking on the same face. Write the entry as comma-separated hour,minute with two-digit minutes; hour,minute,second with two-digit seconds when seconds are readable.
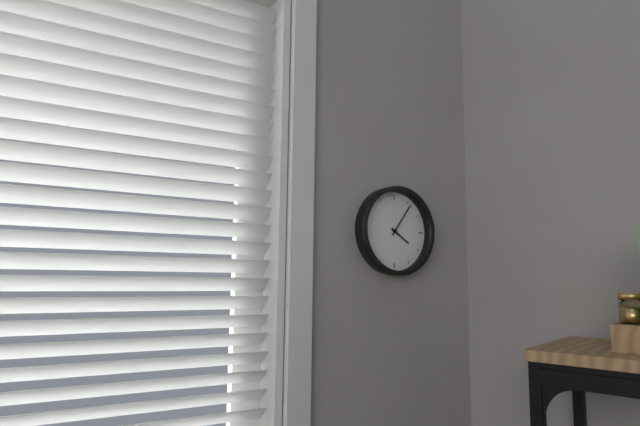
4,06
